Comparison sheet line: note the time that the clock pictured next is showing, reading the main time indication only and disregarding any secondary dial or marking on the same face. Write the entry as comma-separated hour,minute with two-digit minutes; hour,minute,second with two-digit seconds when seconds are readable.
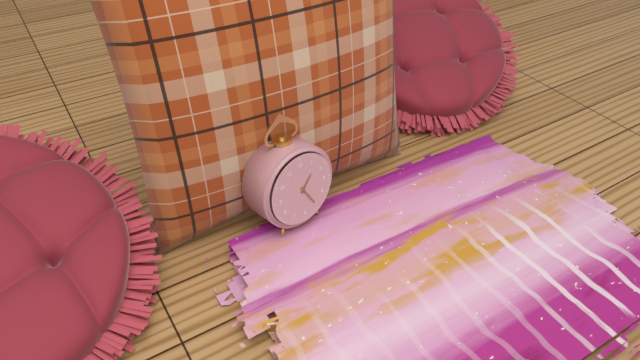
1,25
